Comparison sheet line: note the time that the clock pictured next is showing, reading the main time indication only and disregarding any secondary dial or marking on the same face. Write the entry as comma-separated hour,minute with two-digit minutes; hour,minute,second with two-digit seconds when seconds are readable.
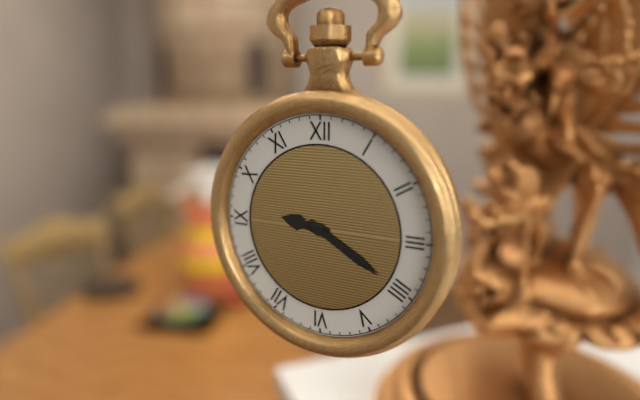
9,20
